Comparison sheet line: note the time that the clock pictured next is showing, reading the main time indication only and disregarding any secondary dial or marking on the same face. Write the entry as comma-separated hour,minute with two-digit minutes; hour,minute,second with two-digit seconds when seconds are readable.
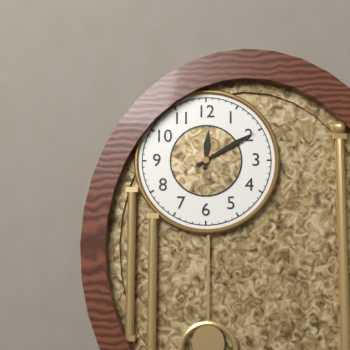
12,10
